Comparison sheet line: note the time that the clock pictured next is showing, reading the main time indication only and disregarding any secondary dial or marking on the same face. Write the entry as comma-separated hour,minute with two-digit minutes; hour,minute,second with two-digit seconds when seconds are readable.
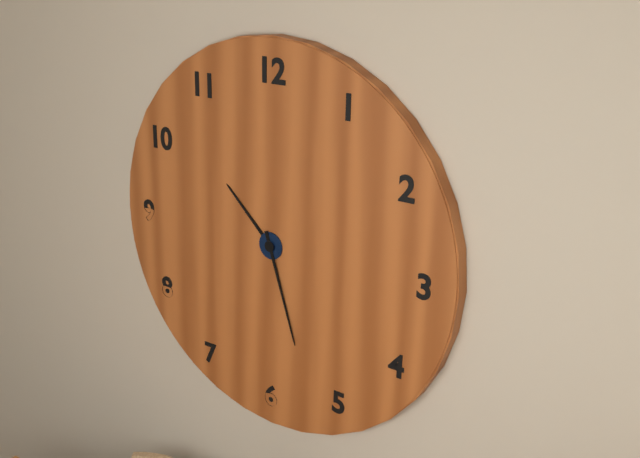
10,27
